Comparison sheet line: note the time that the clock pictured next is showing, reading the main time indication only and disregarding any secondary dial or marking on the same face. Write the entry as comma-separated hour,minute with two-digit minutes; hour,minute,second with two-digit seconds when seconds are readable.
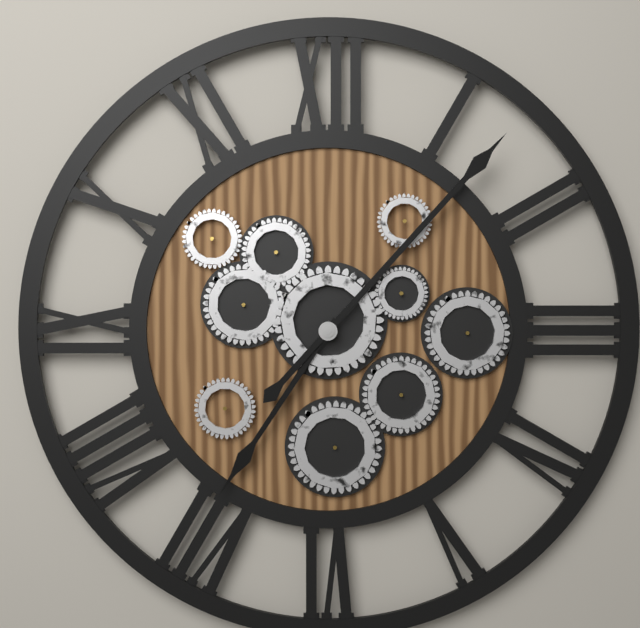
7,07
